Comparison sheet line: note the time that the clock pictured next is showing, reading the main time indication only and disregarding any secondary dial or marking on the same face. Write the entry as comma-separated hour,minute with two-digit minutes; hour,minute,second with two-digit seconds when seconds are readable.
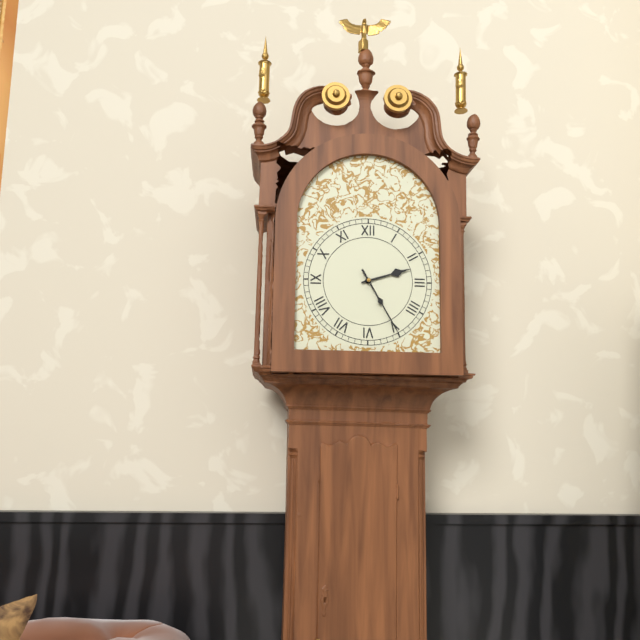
2,25
